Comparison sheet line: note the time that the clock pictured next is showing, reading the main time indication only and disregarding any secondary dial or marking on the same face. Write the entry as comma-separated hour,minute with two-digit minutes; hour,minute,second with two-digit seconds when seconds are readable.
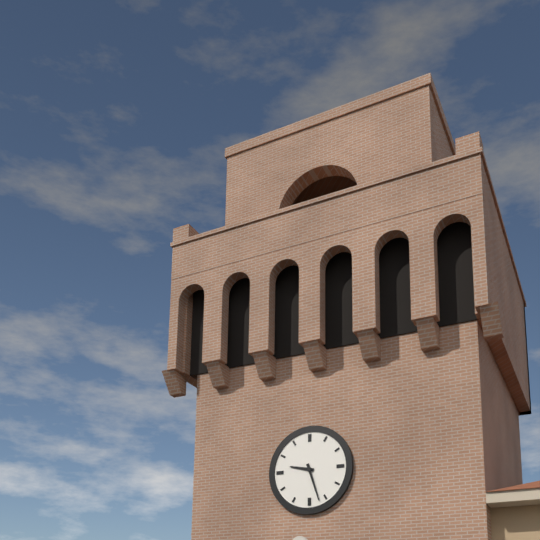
9,27
